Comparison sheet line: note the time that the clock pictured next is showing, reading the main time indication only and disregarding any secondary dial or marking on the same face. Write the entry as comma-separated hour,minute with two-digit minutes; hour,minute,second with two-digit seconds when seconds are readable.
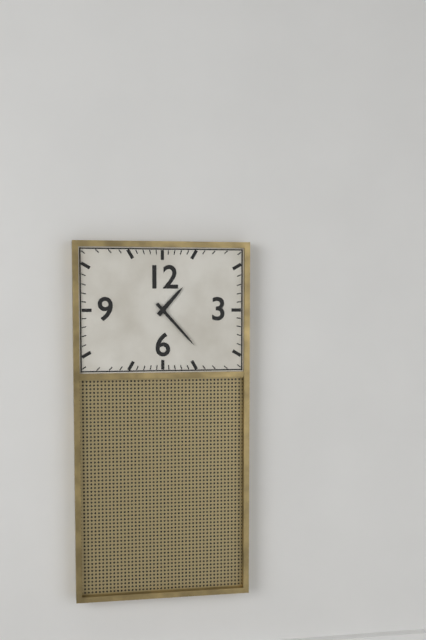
1,23
